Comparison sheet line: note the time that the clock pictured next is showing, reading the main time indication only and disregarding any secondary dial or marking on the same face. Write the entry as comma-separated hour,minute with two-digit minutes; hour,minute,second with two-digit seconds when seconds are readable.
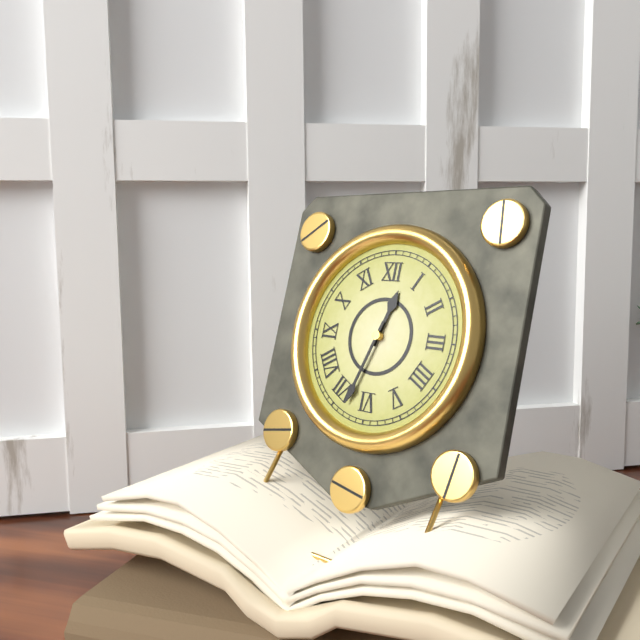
12,33
